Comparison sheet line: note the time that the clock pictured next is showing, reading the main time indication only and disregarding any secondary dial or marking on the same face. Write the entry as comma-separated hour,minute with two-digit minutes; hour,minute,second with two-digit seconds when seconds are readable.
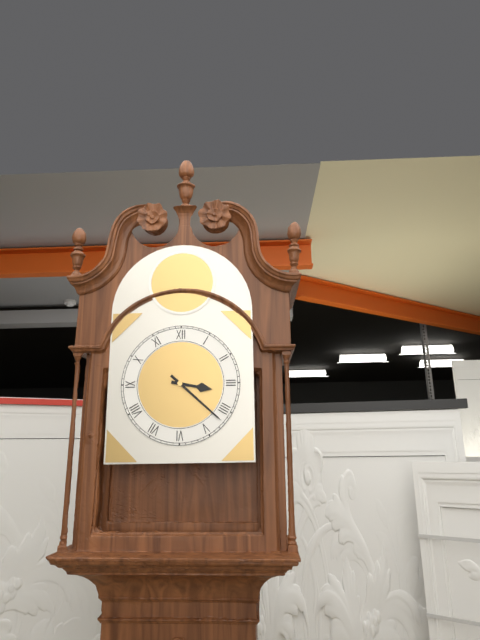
3,22
